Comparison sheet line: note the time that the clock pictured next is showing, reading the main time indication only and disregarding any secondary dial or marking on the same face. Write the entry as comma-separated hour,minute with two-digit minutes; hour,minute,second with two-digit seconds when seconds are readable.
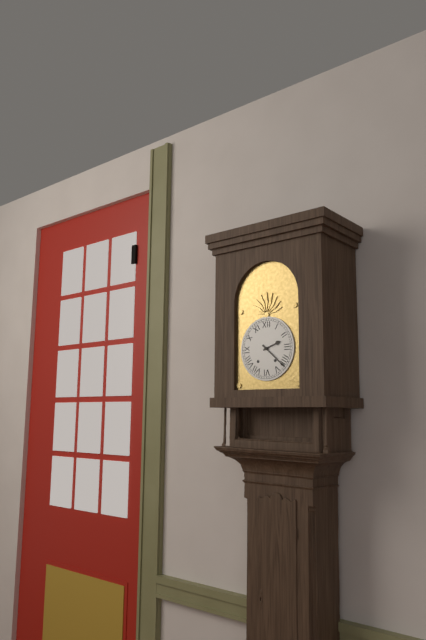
2,22
